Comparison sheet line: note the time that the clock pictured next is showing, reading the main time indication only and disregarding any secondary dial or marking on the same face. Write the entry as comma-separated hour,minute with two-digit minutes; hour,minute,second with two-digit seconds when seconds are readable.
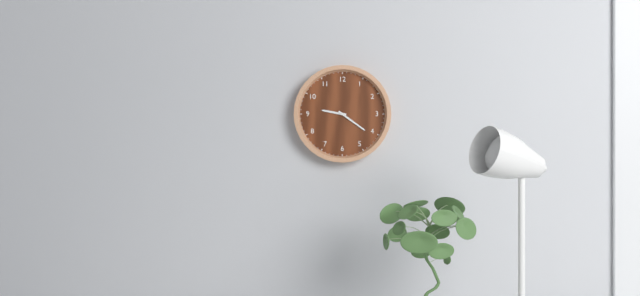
9,21
